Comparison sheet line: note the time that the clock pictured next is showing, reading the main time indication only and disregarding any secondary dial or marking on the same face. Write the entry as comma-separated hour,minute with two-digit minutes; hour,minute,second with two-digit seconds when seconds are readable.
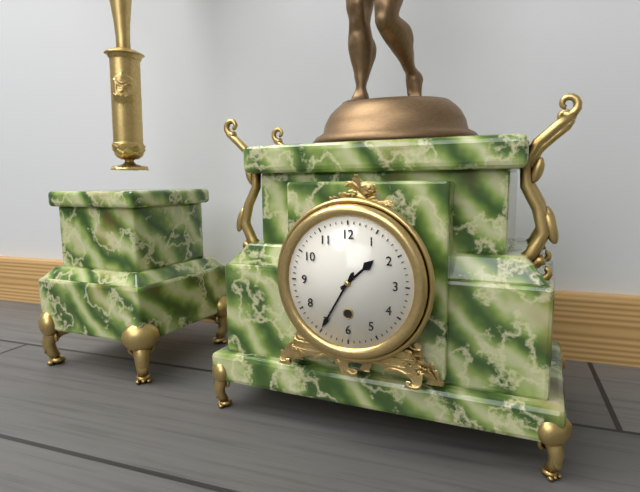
1,35
